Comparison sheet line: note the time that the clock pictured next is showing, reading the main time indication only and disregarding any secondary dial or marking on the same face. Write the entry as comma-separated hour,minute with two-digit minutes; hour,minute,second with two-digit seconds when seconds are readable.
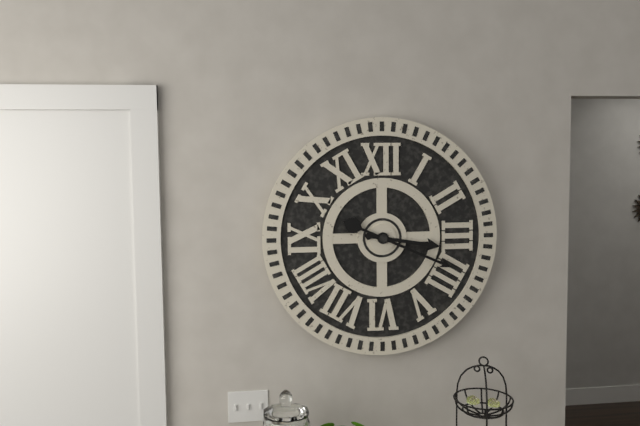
3,19
